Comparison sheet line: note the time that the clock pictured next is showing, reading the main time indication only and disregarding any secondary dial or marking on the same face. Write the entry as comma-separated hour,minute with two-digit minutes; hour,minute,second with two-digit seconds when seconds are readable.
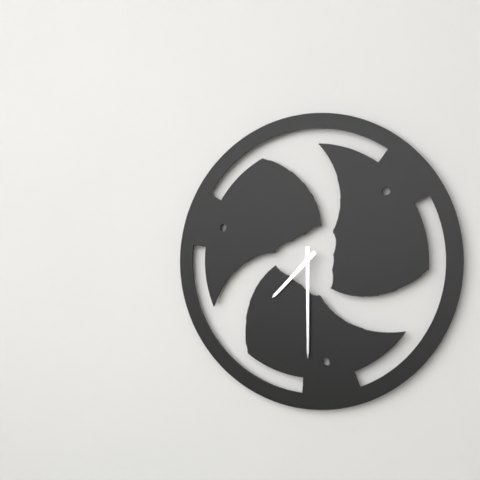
7,30
